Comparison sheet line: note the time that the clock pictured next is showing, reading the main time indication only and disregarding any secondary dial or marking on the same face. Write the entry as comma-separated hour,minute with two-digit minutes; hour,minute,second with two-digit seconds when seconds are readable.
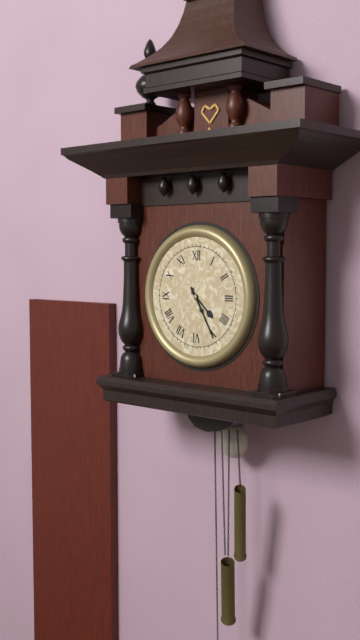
4,25
